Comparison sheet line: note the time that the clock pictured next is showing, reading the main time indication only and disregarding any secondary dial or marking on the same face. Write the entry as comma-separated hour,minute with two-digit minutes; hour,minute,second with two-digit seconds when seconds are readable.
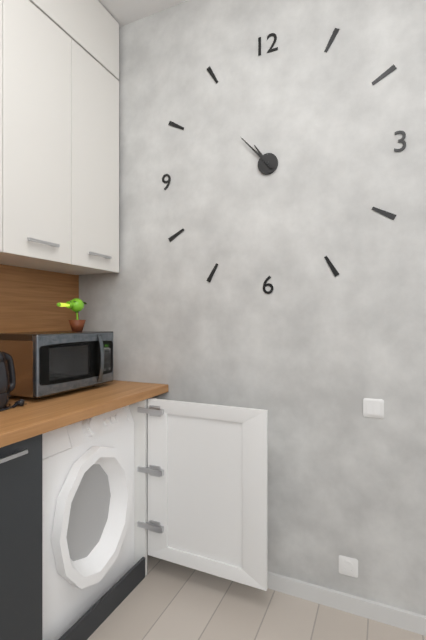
10,53
